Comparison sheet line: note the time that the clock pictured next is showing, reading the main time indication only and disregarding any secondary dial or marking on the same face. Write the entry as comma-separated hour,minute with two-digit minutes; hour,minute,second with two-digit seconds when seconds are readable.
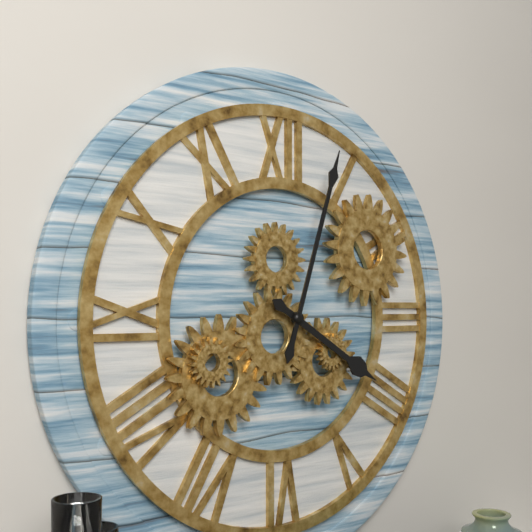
4,03
